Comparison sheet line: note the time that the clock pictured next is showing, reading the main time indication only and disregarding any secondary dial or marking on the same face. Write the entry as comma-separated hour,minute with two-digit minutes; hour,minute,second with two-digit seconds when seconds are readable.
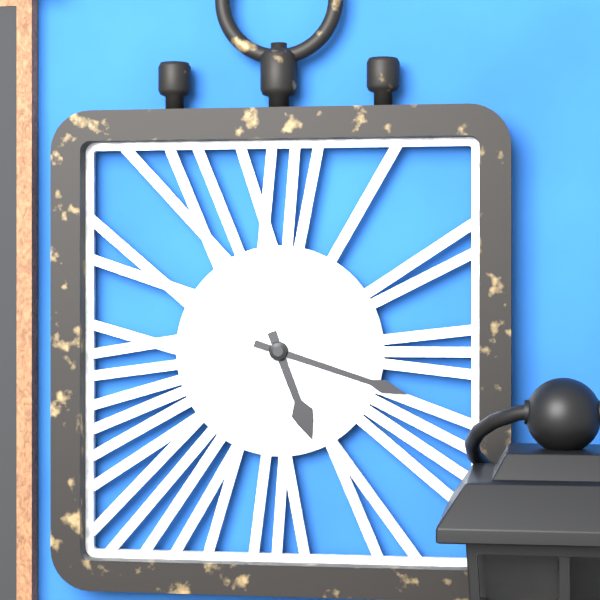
5,18
